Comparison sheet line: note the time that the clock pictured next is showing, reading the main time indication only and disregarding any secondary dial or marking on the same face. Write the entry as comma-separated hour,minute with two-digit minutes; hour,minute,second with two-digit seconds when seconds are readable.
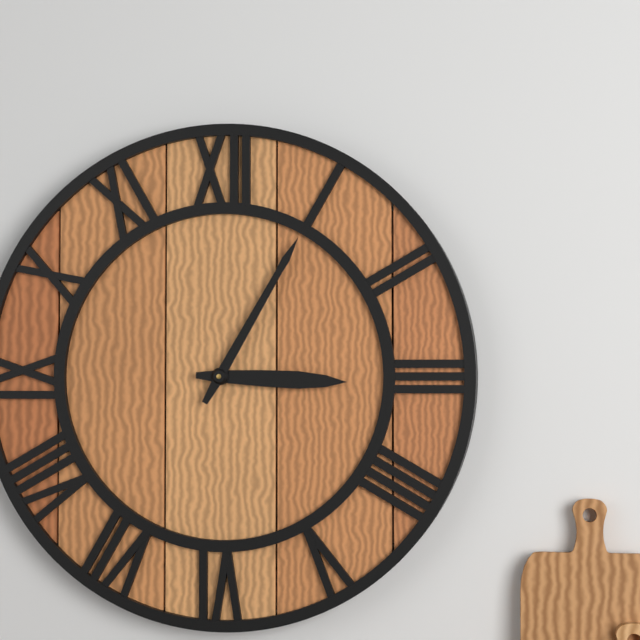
3,05
